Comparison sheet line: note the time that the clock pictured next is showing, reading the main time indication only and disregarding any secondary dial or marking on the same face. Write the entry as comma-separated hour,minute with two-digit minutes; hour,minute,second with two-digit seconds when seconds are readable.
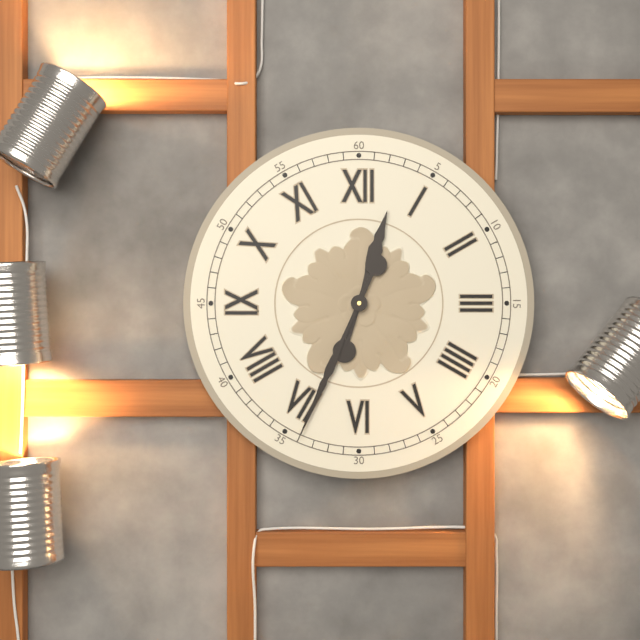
12,34
